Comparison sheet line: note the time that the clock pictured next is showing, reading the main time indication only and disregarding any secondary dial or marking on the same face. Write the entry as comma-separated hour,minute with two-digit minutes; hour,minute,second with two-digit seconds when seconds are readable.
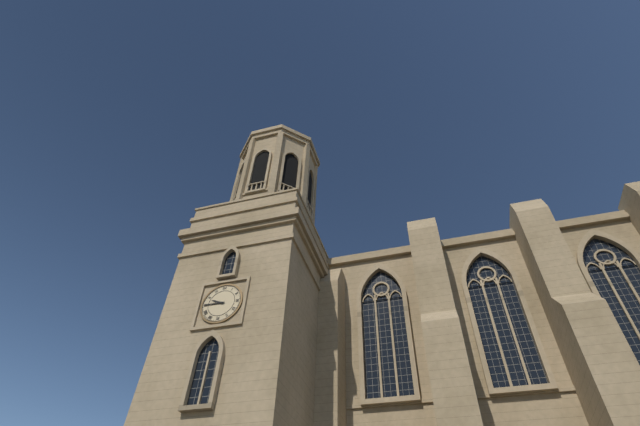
9,45
